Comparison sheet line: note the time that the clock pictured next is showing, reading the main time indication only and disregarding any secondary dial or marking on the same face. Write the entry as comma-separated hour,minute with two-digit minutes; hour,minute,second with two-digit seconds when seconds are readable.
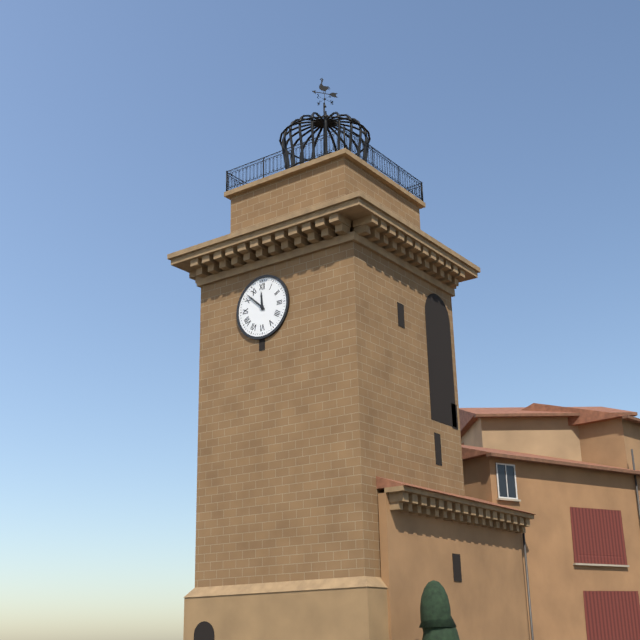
11,52
